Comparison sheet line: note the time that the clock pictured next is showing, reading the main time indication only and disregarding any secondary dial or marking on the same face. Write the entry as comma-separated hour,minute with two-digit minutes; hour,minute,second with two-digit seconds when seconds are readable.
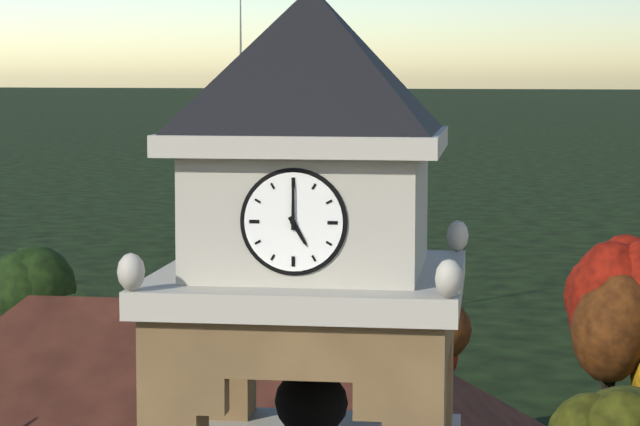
5,00
